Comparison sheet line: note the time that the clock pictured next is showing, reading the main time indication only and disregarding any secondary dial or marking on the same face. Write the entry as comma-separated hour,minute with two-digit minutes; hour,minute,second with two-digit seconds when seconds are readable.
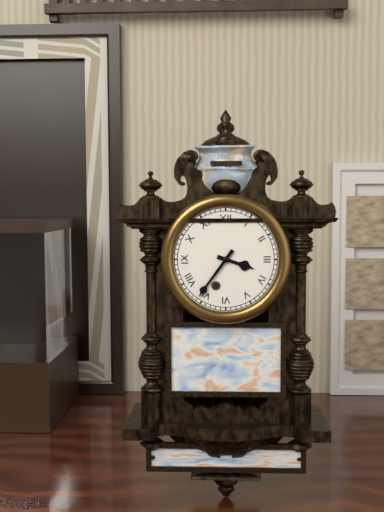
3,36
